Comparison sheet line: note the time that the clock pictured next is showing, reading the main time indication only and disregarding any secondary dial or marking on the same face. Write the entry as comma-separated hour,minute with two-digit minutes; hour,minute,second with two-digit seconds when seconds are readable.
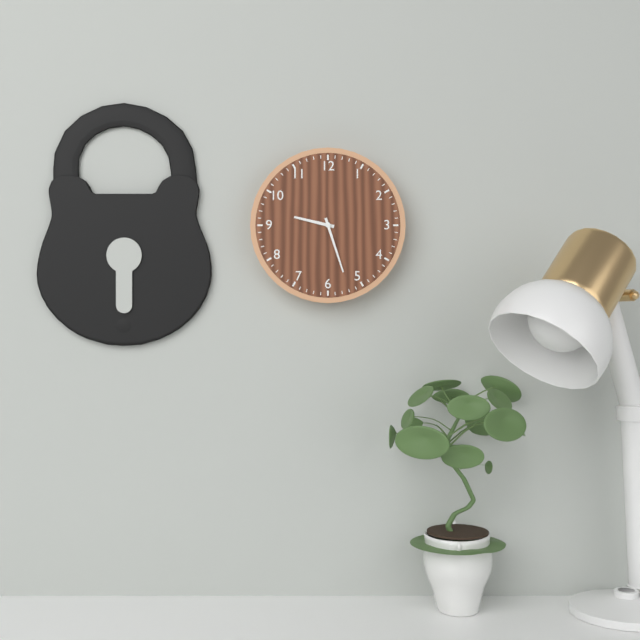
9,27
